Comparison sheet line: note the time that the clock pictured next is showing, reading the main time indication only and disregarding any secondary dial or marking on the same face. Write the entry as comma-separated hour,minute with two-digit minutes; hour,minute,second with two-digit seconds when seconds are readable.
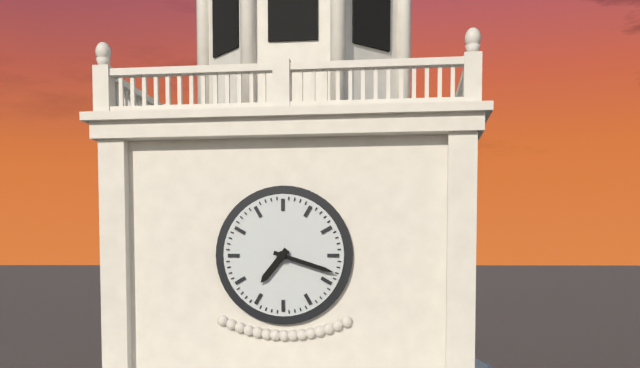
7,18
